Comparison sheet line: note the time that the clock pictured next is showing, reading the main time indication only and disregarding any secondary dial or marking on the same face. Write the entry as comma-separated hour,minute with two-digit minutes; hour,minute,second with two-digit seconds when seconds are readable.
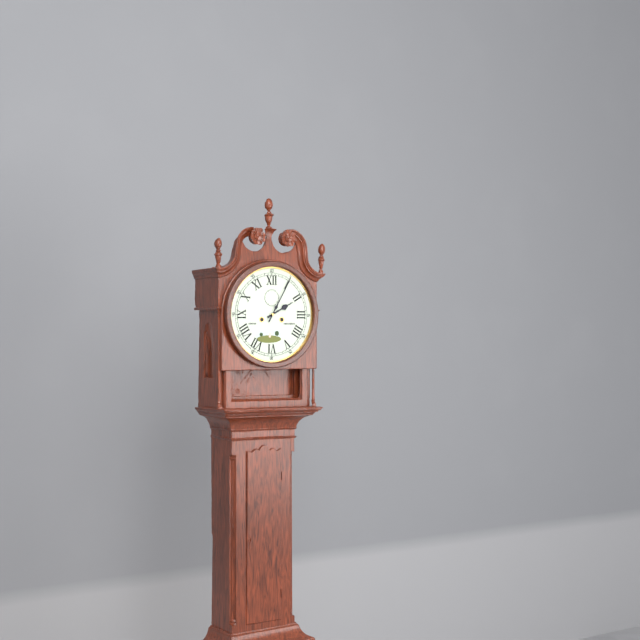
2,05
